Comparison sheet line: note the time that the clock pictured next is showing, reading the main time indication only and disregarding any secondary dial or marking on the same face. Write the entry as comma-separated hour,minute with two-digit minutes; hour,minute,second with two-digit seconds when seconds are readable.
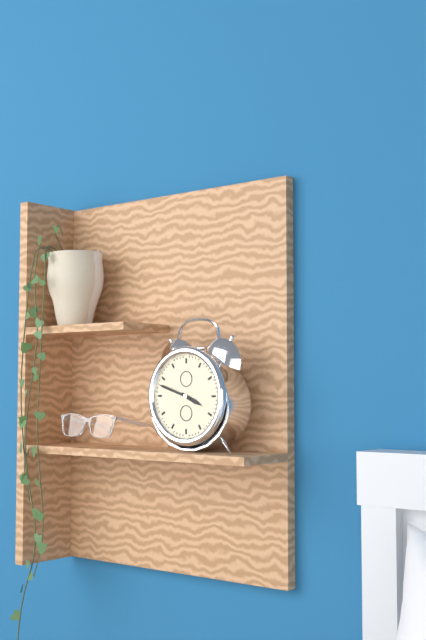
3,48
